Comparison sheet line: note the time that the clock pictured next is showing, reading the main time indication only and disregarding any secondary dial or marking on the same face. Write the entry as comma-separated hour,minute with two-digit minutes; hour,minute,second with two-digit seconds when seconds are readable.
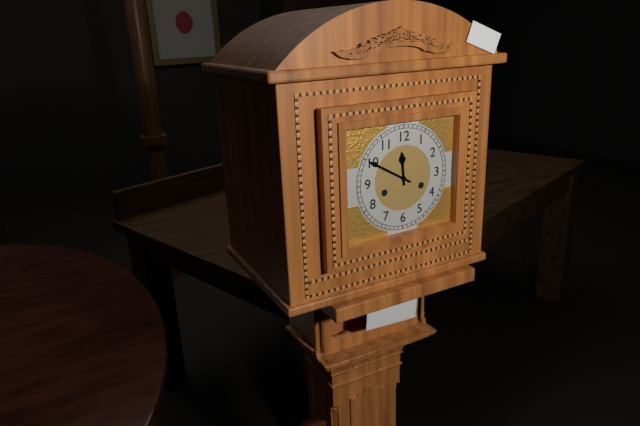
11,50
